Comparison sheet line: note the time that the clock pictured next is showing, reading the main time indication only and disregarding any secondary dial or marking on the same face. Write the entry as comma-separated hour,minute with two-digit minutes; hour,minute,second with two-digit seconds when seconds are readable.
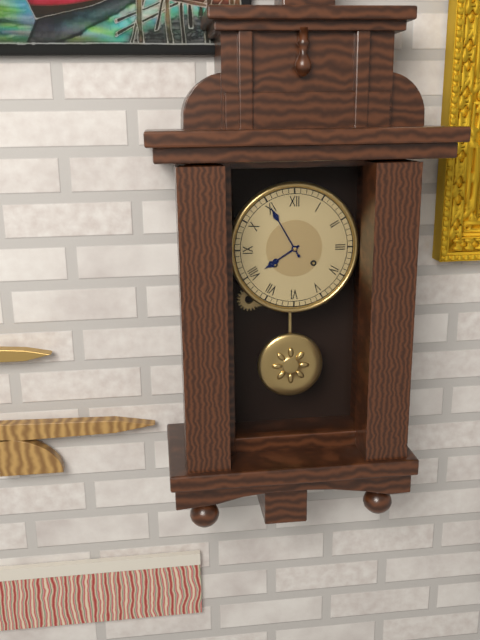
7,55
